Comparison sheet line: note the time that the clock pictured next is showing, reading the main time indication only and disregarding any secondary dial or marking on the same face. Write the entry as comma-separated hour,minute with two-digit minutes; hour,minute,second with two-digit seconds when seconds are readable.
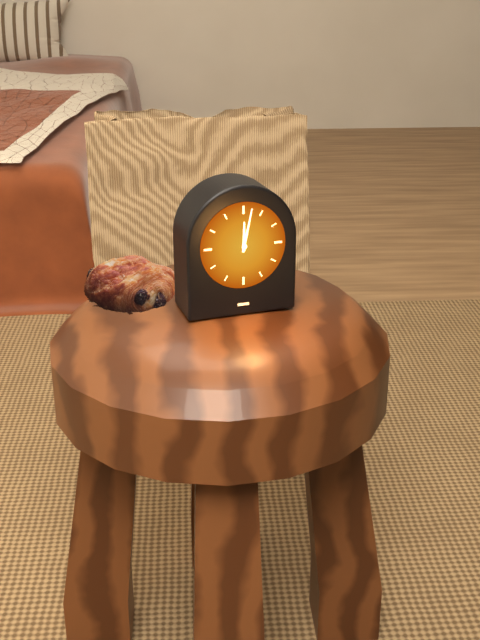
12,02
